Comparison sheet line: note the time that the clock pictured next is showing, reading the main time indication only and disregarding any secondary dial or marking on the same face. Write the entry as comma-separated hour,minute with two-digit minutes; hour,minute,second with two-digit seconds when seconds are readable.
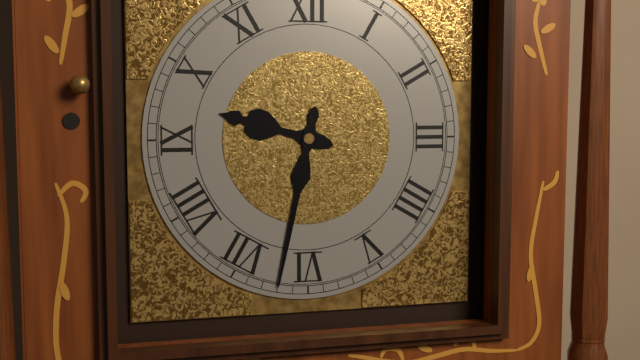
9,32
